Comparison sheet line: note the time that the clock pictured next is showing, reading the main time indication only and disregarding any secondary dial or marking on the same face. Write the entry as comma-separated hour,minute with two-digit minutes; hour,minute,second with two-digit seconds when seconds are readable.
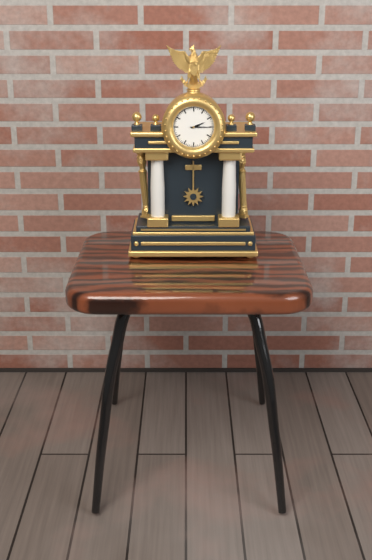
2,15
